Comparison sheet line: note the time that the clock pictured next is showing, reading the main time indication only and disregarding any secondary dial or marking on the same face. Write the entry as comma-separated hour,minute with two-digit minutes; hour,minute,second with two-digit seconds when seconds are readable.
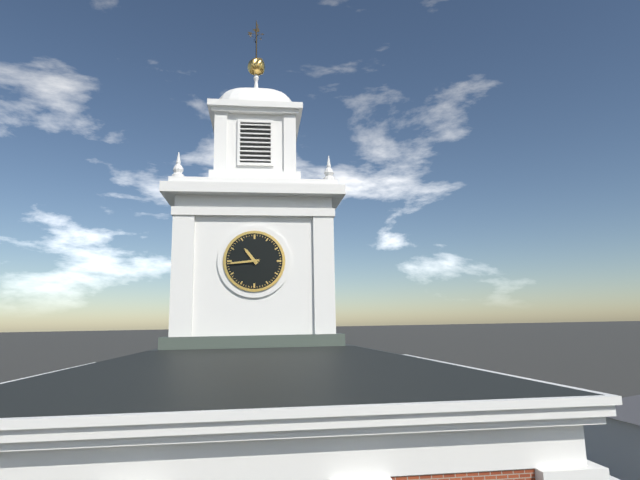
10,44
